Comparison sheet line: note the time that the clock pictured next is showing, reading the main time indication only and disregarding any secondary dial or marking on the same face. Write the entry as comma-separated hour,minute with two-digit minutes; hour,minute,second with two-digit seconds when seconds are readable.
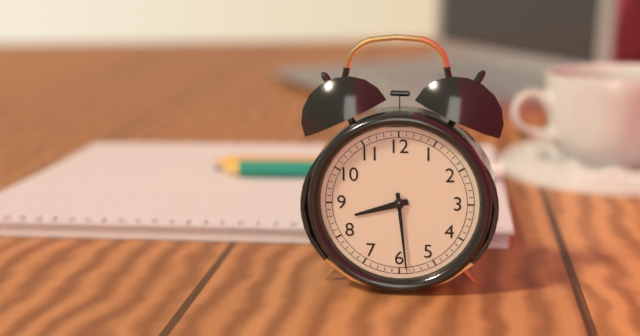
8,29
